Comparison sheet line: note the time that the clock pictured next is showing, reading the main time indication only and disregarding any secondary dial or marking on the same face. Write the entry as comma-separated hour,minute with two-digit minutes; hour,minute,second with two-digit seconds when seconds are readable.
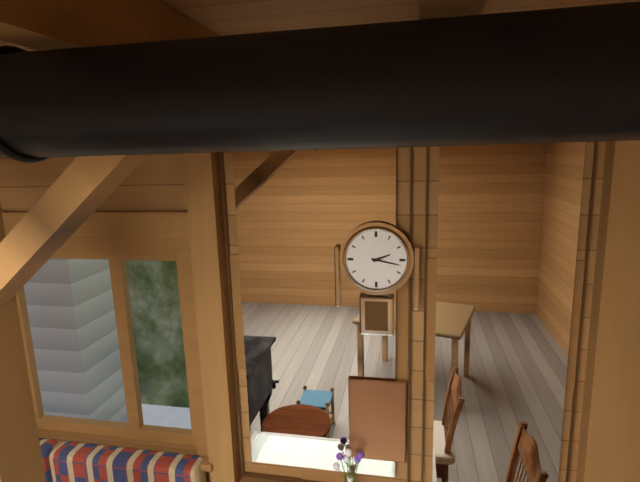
2,17
